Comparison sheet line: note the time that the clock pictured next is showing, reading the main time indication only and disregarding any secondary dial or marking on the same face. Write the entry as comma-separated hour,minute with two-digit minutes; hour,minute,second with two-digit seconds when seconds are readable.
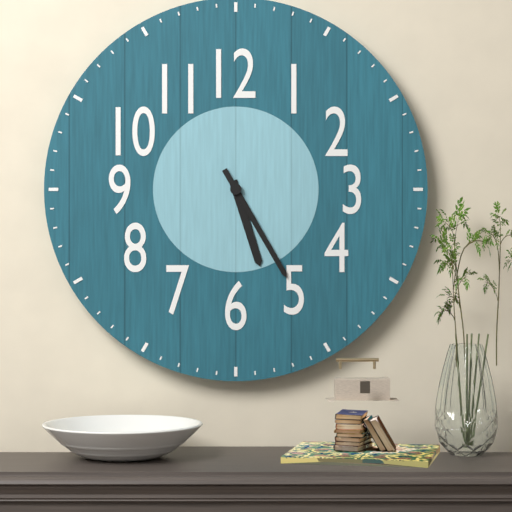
5,25
